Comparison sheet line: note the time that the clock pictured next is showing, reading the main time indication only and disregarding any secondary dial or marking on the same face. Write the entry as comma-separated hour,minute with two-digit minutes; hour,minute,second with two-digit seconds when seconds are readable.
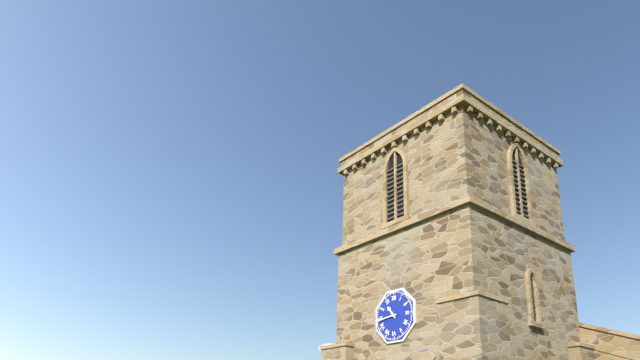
10,44
